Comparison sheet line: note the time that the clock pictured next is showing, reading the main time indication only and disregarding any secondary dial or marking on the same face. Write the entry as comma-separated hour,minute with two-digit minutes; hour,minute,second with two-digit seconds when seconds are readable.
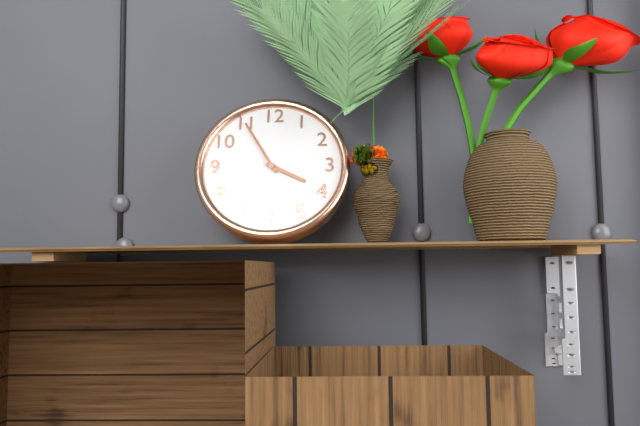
3,55
